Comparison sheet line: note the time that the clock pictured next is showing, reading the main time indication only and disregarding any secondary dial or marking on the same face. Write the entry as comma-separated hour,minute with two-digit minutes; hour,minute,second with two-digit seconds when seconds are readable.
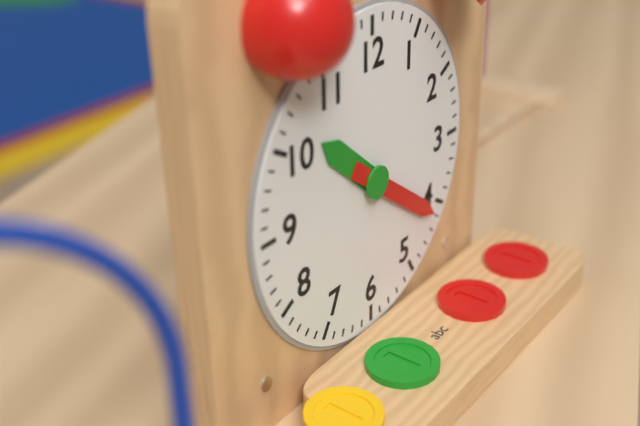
10,21
